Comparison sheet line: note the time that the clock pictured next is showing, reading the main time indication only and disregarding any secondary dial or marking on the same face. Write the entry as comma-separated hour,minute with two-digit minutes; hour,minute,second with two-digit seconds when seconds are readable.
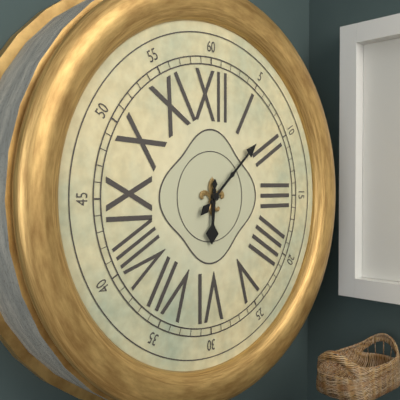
6,08
